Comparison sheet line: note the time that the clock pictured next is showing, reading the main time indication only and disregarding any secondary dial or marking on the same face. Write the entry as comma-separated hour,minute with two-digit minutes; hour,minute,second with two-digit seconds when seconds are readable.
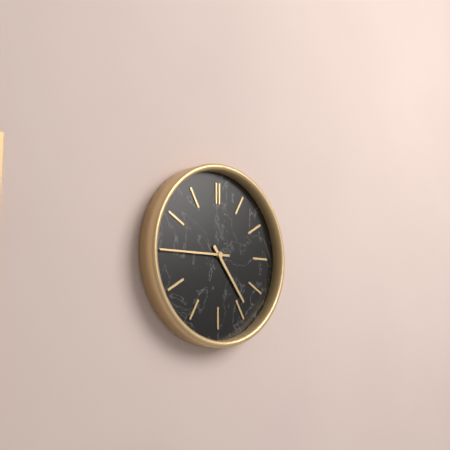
4,45
